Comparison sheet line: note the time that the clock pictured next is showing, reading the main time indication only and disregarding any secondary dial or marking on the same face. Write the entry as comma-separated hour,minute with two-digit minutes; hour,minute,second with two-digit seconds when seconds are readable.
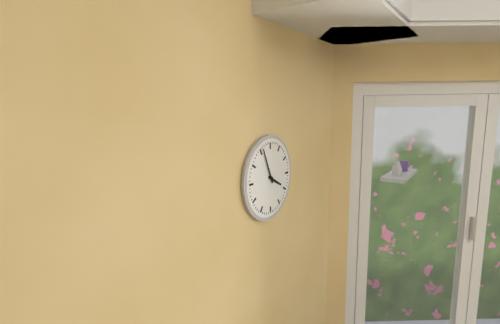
3,56
